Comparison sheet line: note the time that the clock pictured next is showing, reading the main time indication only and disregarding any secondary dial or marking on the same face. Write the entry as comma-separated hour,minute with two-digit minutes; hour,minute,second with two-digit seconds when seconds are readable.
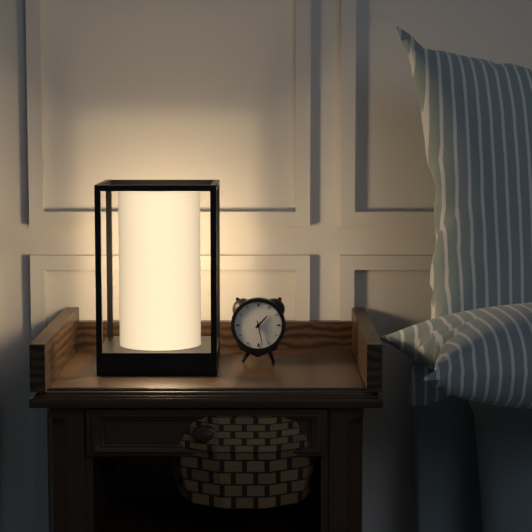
1,28
